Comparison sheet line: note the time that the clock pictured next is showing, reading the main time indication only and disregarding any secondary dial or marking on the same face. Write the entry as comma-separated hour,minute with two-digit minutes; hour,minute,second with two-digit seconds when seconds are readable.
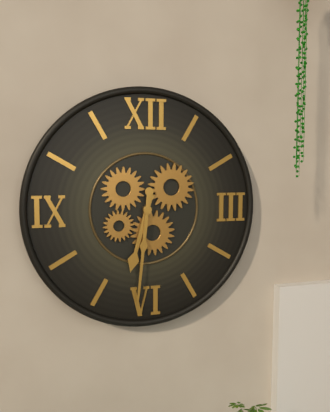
6,31
